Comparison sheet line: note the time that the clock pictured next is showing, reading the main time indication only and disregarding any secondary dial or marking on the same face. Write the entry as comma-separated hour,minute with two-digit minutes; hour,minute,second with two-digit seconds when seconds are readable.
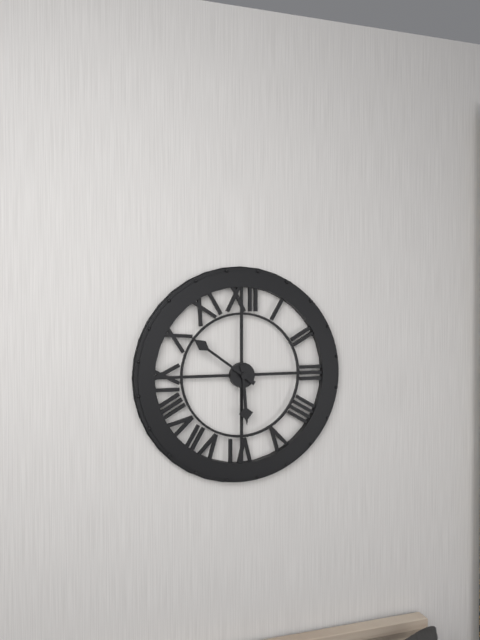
5,51
